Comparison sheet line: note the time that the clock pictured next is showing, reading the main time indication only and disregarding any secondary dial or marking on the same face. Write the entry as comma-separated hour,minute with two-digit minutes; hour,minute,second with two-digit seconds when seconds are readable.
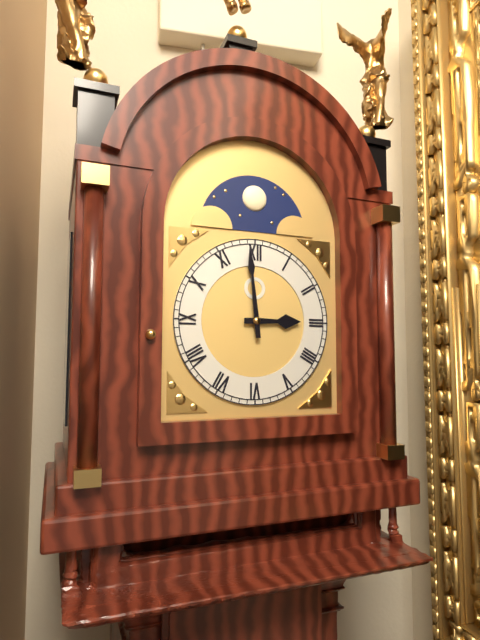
2,59
